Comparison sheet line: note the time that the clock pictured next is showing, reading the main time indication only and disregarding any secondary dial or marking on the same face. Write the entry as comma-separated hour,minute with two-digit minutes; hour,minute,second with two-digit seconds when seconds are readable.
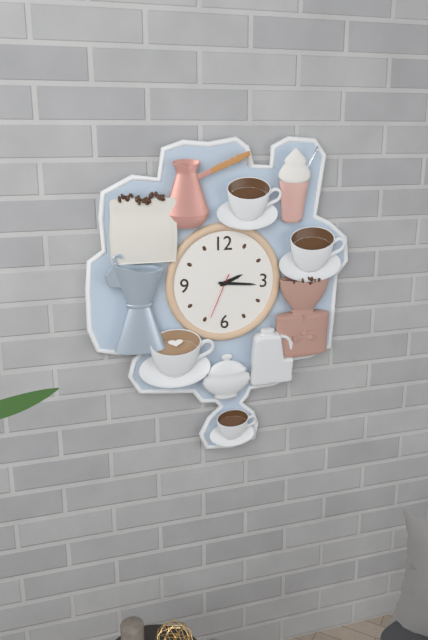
2,16
